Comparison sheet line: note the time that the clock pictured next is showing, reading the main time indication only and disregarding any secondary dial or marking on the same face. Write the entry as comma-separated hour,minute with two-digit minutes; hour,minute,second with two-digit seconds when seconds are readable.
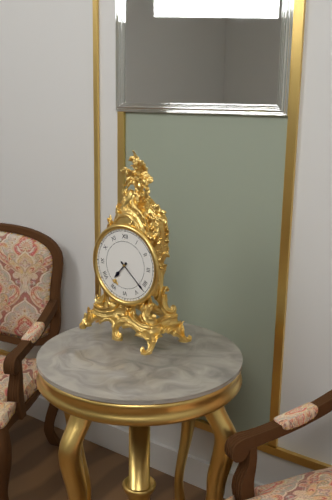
7,22
